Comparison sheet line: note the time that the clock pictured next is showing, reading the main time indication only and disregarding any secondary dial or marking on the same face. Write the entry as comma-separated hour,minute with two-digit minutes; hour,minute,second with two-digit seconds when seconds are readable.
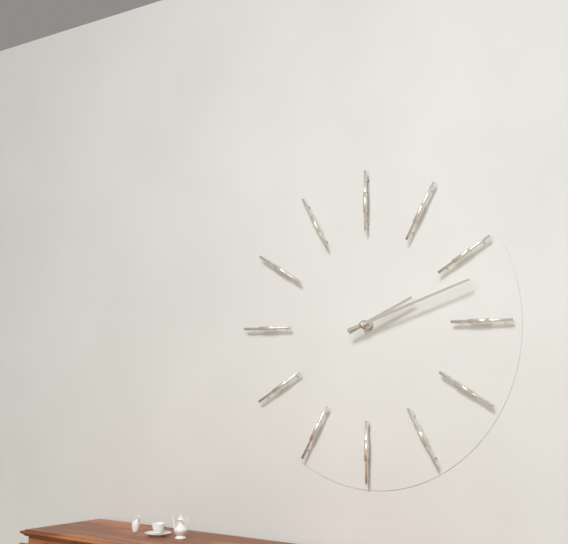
2,12
